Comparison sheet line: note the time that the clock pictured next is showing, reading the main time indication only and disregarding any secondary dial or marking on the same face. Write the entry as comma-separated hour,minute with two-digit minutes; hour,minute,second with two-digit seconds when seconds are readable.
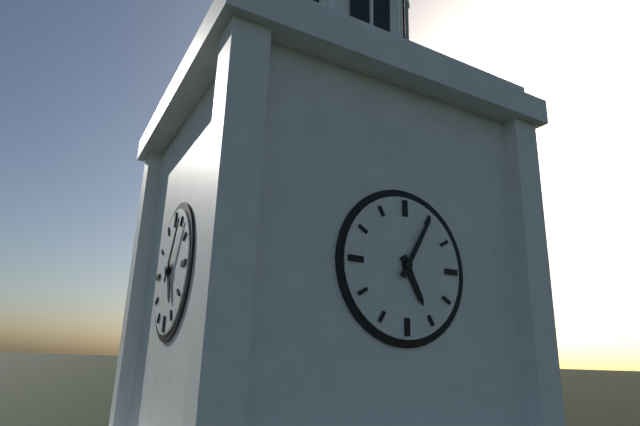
5,05
